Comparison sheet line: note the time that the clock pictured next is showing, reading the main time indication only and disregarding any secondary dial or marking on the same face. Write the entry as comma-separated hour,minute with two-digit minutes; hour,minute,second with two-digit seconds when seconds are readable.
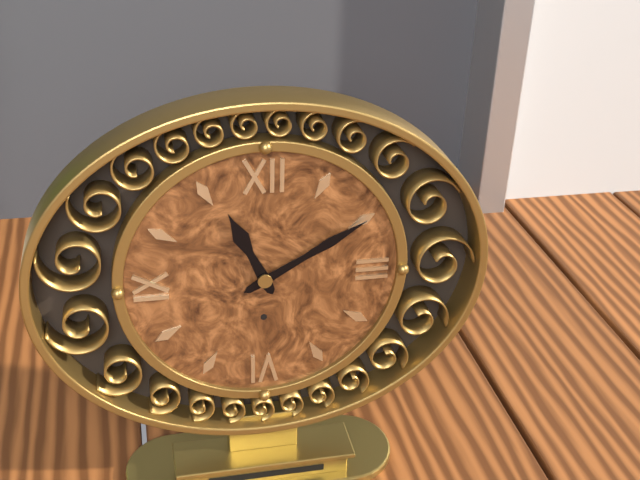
11,10
